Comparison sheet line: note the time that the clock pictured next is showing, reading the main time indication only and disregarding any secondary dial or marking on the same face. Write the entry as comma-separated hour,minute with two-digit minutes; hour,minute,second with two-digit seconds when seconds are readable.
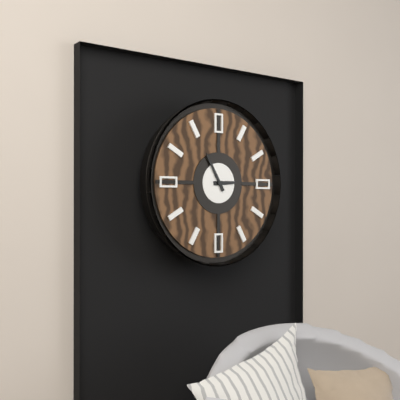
2,55
